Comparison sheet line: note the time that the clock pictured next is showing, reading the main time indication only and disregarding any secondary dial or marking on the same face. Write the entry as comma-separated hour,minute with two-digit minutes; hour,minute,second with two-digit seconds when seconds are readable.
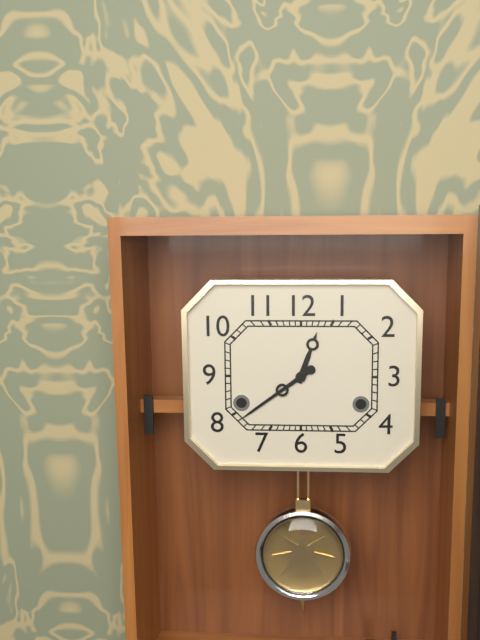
12,39
